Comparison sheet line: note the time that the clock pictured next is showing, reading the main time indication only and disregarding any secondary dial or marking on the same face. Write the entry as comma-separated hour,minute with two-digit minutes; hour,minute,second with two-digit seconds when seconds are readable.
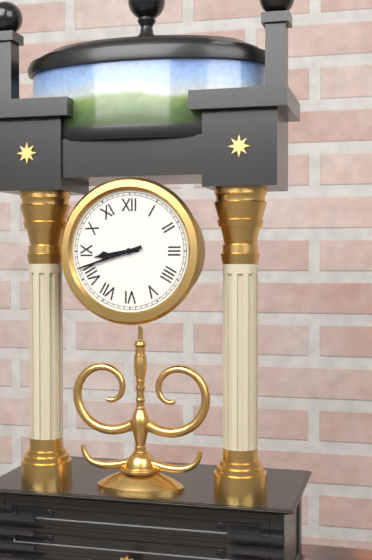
8,42
